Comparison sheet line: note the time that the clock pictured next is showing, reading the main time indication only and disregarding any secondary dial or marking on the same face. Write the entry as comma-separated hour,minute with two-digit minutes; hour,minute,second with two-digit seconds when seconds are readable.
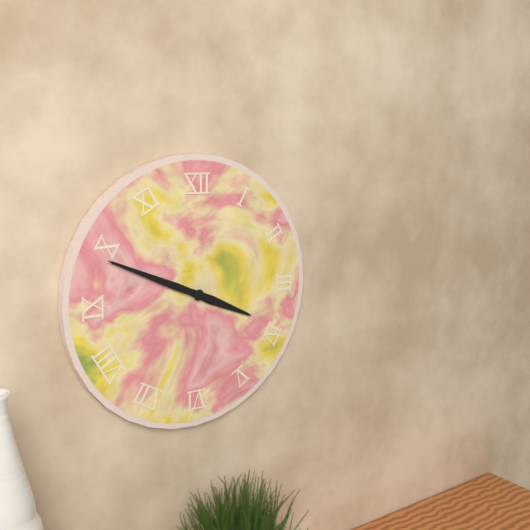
3,49
